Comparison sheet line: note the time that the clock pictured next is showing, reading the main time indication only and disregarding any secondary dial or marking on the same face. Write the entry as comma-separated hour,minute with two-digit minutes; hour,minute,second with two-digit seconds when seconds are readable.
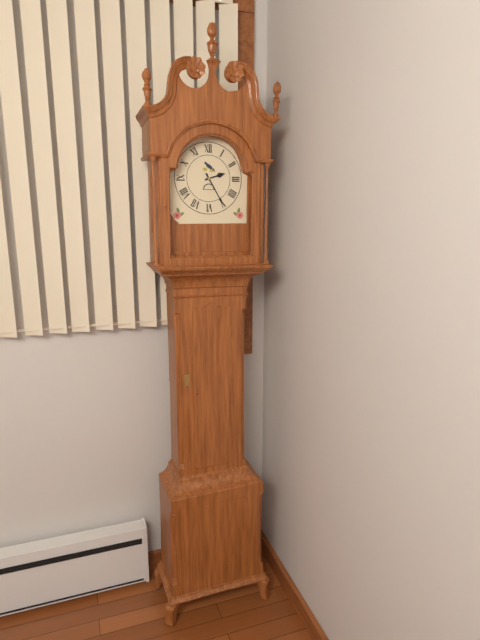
2,25
